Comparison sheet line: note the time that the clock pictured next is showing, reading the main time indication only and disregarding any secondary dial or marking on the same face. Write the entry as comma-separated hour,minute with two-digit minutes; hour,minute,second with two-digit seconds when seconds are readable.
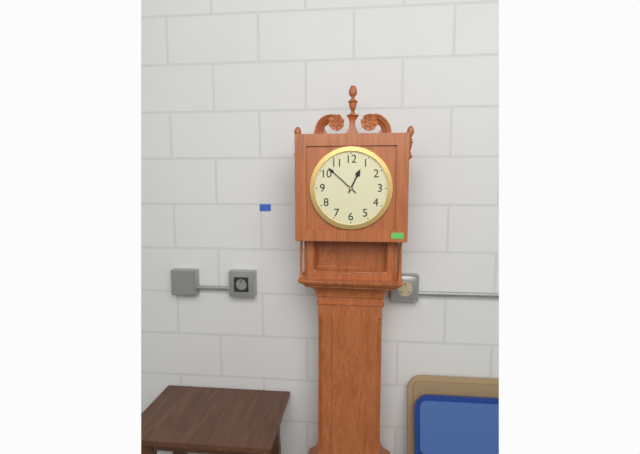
12,52
